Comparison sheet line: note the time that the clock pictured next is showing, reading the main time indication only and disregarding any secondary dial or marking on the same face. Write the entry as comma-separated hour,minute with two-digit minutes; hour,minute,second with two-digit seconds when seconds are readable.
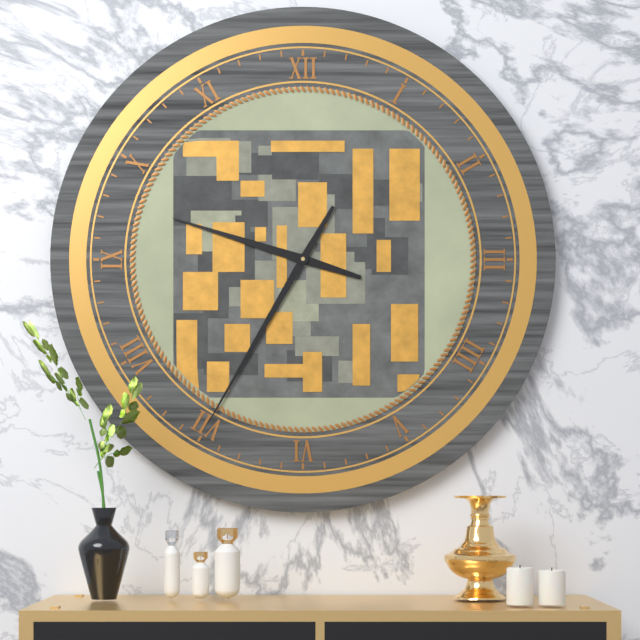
9,35
